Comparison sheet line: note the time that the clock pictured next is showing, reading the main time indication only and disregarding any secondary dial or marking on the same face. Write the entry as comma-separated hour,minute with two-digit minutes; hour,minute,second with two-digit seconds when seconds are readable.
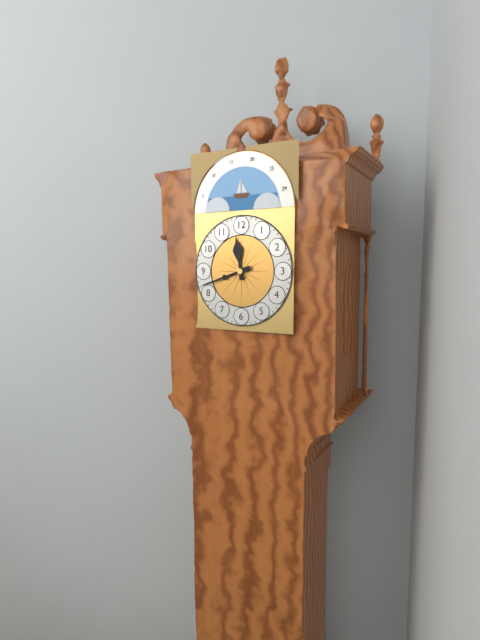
11,42
